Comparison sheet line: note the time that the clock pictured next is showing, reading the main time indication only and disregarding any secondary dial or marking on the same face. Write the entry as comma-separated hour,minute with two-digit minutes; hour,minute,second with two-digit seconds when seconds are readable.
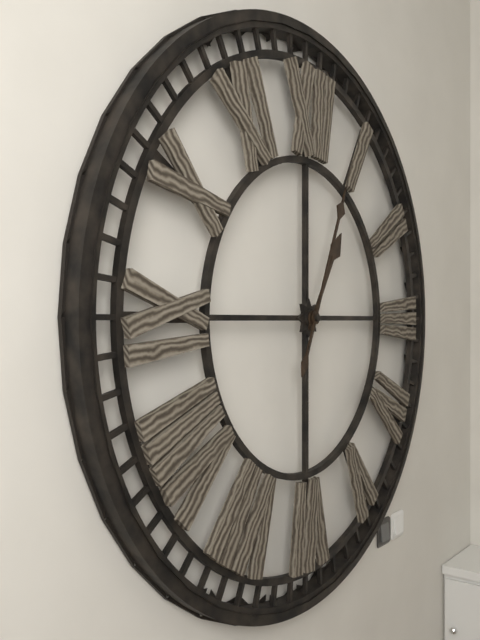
1,04
